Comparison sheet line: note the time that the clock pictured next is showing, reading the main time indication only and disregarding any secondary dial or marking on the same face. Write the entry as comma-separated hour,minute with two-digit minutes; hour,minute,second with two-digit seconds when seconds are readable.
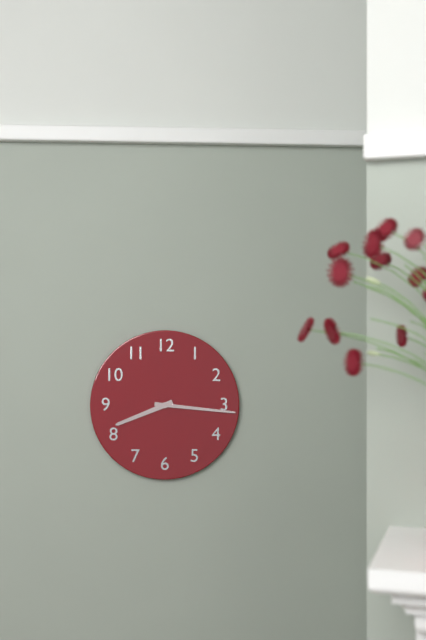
8,16
